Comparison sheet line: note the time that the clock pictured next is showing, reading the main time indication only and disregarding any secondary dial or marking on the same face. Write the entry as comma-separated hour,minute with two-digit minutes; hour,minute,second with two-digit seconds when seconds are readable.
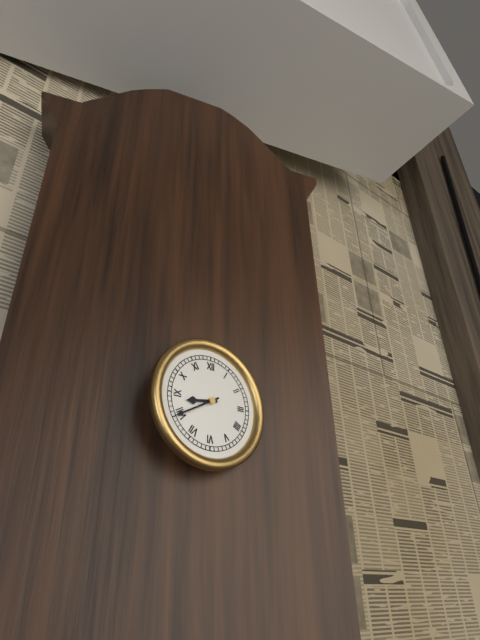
8,40
